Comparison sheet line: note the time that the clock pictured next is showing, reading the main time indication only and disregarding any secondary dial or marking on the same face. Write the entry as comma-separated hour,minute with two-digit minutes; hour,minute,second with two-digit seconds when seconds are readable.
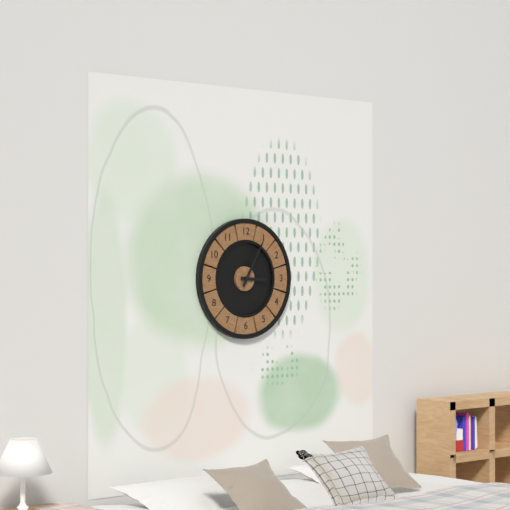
3,05
